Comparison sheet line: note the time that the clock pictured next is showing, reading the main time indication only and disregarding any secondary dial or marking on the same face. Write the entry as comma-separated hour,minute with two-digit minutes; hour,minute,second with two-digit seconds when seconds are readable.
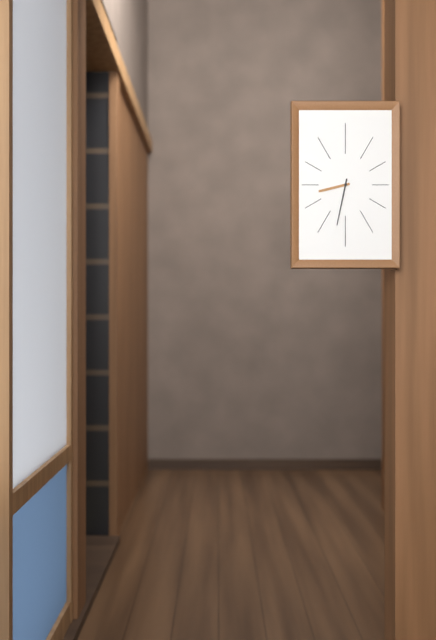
8,32
